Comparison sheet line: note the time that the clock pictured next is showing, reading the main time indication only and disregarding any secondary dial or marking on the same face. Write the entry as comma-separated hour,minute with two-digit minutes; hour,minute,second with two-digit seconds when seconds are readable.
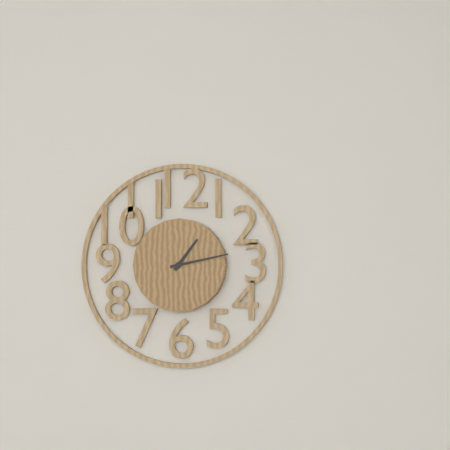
1,13
